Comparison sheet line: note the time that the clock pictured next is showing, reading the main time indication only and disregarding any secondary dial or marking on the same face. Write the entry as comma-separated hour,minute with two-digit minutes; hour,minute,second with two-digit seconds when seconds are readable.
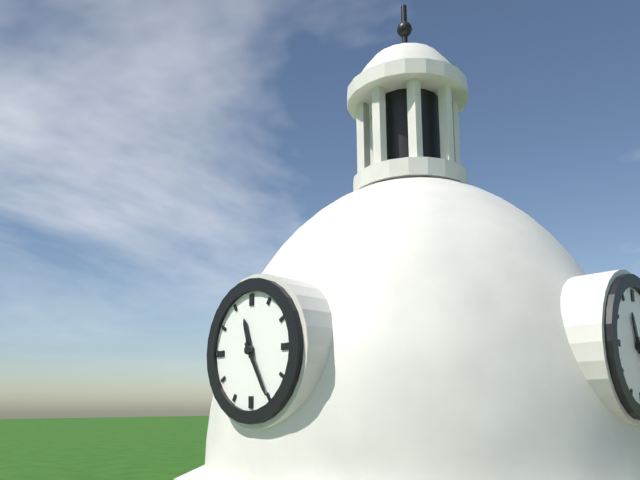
11,25
